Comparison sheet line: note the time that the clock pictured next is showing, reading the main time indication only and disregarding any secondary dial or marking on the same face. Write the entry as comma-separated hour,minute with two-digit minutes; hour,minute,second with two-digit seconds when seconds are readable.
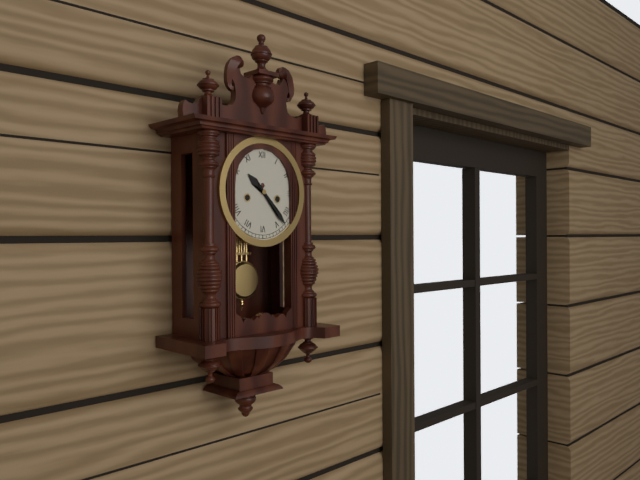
10,23
